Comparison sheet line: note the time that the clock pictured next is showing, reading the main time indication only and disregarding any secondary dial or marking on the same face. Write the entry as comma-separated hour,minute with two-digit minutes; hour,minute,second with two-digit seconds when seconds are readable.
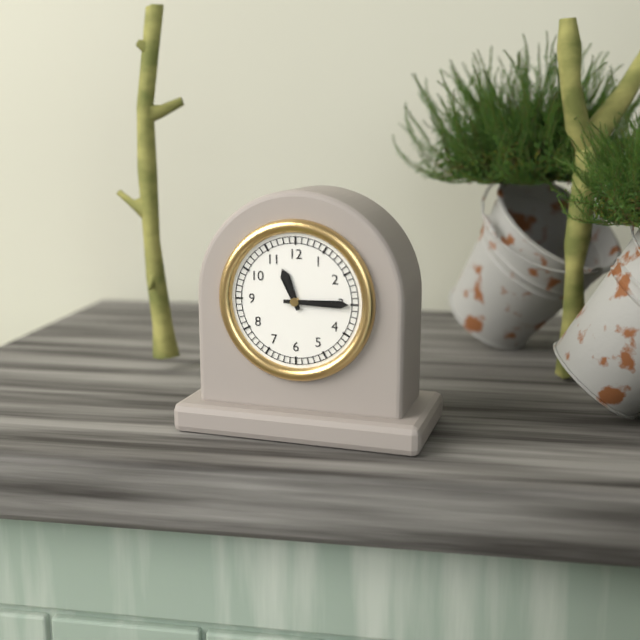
11,15
